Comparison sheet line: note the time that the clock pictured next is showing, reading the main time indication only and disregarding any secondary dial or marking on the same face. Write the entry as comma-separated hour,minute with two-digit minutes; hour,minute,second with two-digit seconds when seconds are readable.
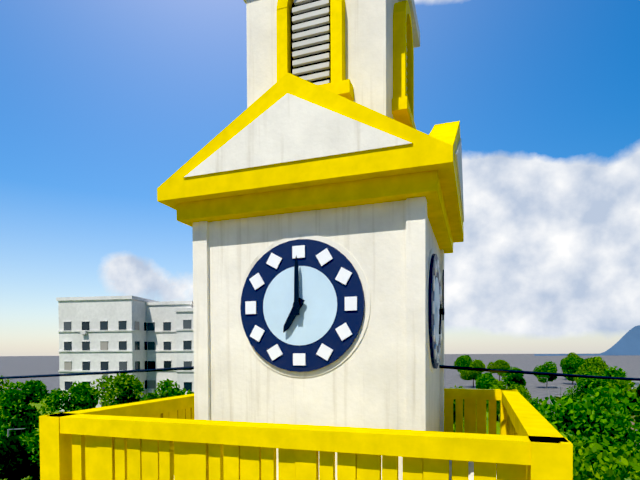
7,00
